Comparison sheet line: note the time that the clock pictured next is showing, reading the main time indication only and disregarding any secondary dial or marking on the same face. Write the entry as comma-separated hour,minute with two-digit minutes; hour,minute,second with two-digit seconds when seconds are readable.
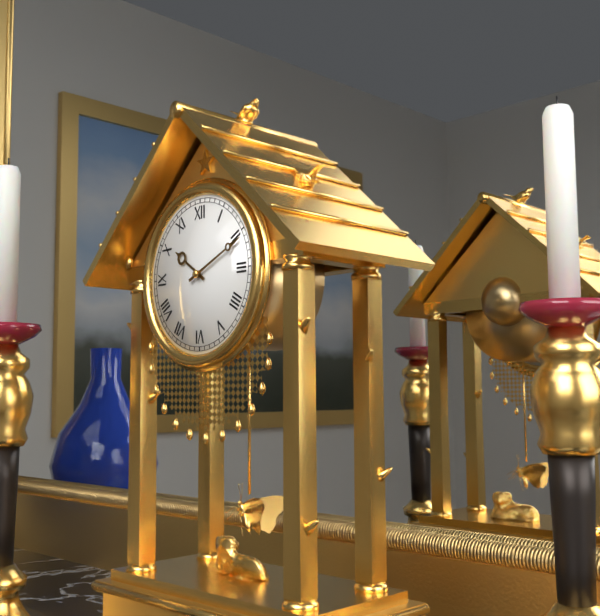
10,11
